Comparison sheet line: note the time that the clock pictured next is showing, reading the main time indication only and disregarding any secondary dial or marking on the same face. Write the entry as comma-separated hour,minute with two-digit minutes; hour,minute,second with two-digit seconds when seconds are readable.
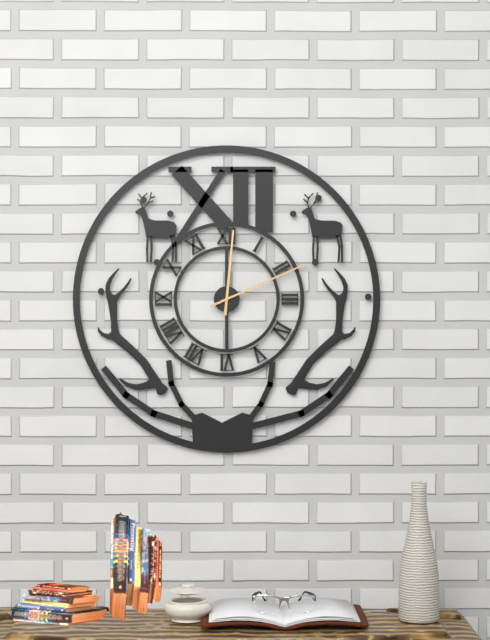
12,11
